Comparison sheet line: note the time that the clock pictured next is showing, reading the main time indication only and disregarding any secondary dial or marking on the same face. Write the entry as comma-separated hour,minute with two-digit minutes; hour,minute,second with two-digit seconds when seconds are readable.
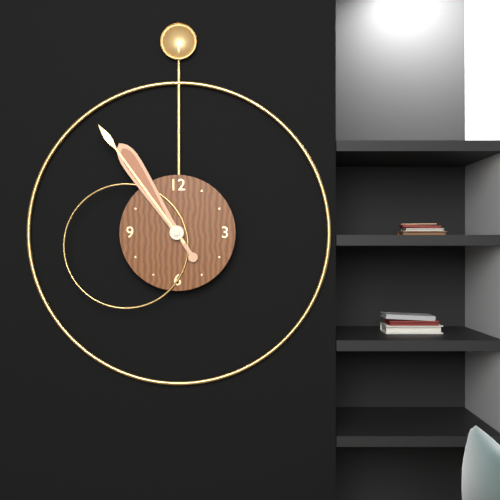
10,54
